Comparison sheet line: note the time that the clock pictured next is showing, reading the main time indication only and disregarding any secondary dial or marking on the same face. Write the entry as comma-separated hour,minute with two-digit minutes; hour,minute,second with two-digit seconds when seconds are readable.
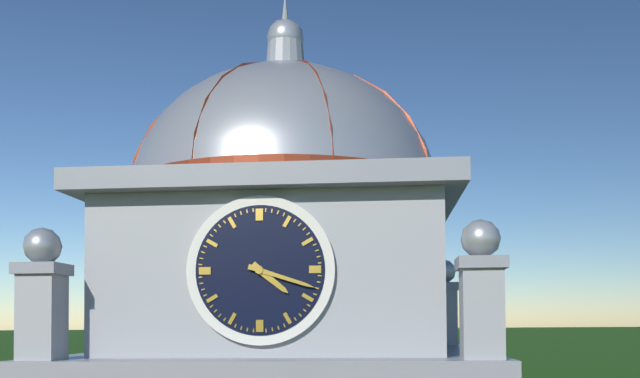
4,18
